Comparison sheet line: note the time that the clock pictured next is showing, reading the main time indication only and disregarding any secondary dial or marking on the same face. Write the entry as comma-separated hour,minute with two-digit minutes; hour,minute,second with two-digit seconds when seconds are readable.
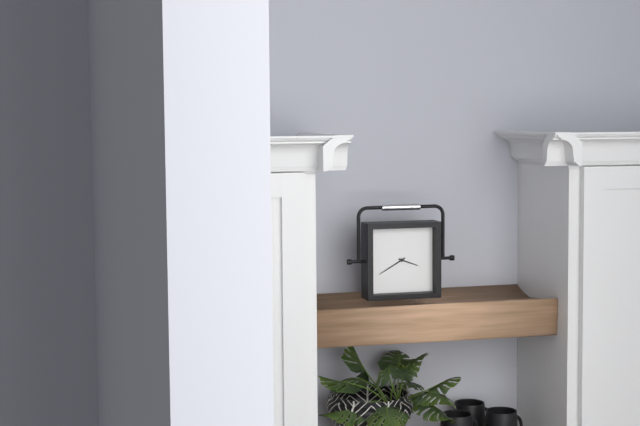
3,40
